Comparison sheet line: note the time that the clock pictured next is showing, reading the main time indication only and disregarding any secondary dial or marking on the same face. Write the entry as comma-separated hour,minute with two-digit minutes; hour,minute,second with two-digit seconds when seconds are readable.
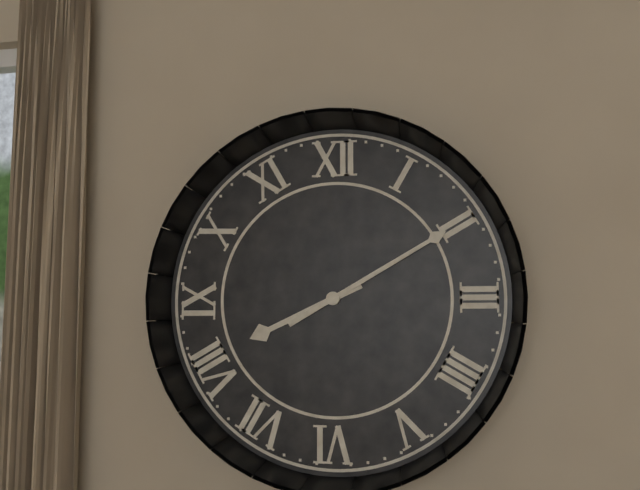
8,10
